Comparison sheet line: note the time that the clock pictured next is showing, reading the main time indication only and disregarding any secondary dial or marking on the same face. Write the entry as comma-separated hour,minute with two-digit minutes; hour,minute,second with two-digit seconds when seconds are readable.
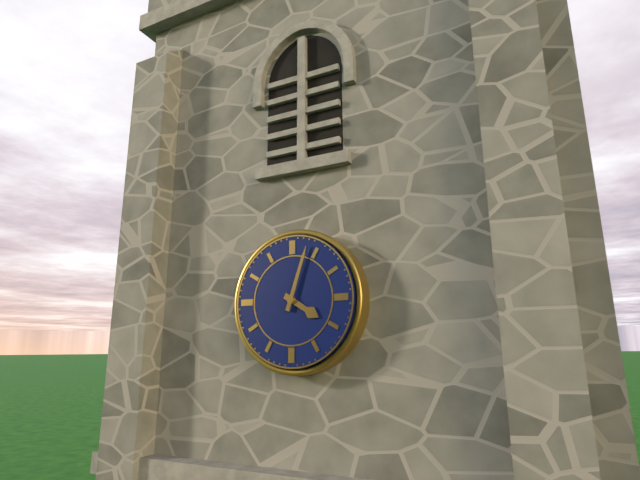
4,03
